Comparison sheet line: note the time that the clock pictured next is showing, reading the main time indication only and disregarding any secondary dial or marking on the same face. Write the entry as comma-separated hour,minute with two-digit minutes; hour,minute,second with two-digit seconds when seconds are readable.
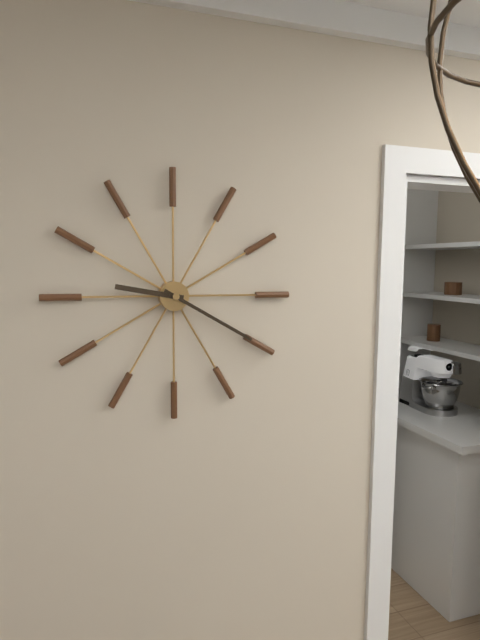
9,20
